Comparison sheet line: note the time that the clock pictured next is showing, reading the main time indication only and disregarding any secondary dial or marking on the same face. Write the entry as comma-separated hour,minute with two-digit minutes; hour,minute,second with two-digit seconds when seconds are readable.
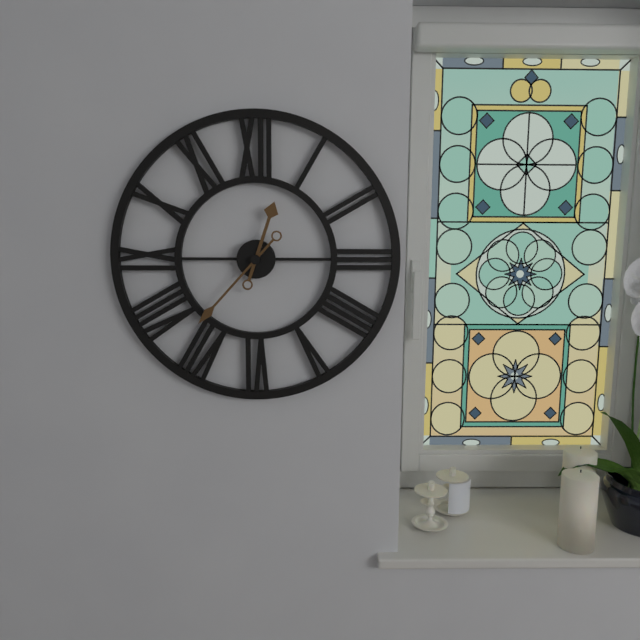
12,37
